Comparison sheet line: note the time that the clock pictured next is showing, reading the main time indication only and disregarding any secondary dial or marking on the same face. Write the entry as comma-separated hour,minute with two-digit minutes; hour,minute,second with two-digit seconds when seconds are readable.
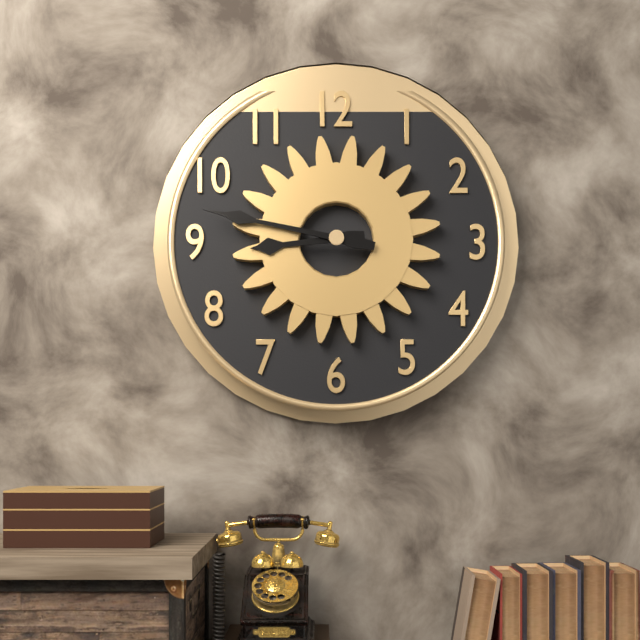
8,47
